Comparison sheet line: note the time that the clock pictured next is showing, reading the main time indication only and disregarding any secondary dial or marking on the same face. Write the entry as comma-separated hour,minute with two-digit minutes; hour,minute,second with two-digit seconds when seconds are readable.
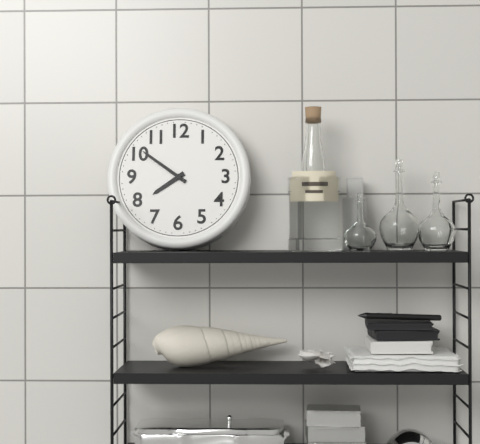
7,51
